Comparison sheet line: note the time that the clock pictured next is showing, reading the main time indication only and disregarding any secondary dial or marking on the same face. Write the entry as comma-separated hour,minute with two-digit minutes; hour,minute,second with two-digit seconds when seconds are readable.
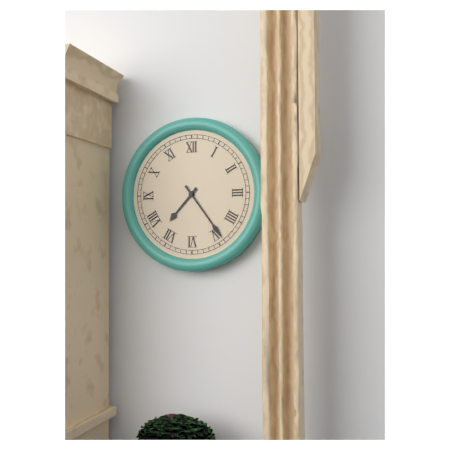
7,24
